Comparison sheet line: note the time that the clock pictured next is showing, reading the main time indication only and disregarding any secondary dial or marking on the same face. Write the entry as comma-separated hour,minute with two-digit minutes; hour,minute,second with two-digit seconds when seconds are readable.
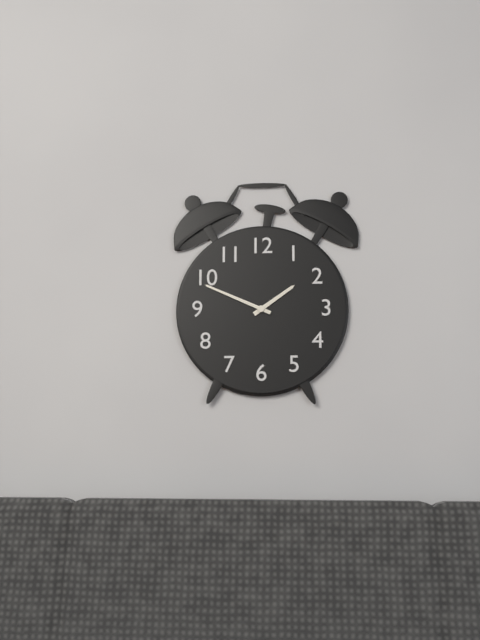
1,49
